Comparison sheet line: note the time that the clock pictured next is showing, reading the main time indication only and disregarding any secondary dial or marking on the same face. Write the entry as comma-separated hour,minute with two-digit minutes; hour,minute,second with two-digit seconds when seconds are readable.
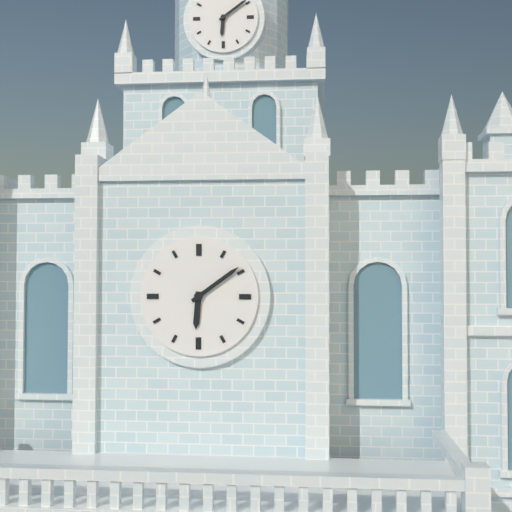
6,09
